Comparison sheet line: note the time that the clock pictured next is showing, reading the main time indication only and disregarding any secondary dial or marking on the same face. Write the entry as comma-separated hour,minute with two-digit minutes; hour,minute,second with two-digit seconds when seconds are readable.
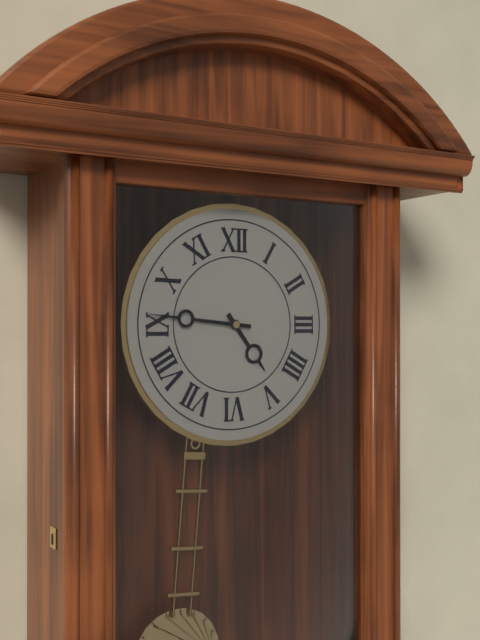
4,46
